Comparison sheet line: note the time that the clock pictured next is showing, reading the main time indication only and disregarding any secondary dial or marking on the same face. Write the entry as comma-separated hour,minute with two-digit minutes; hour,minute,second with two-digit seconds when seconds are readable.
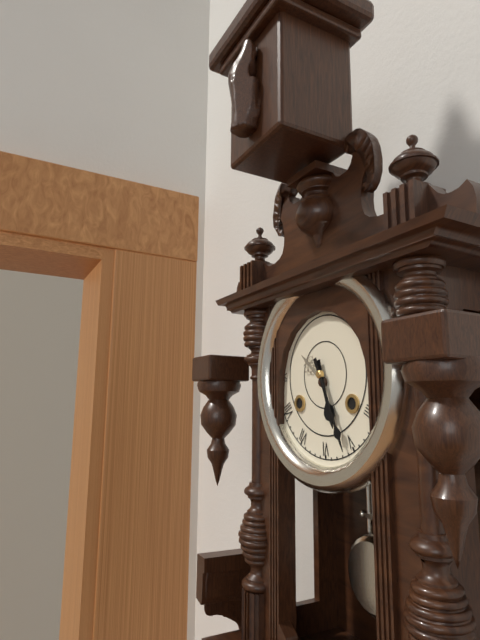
5,26
